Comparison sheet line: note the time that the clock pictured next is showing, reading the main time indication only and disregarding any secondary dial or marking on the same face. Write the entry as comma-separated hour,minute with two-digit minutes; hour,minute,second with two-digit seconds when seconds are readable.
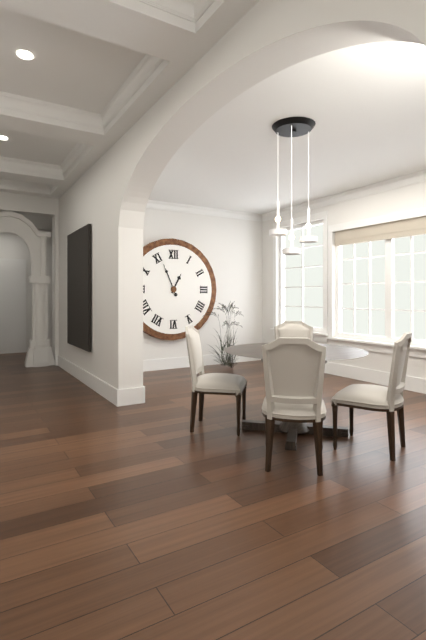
12,56
